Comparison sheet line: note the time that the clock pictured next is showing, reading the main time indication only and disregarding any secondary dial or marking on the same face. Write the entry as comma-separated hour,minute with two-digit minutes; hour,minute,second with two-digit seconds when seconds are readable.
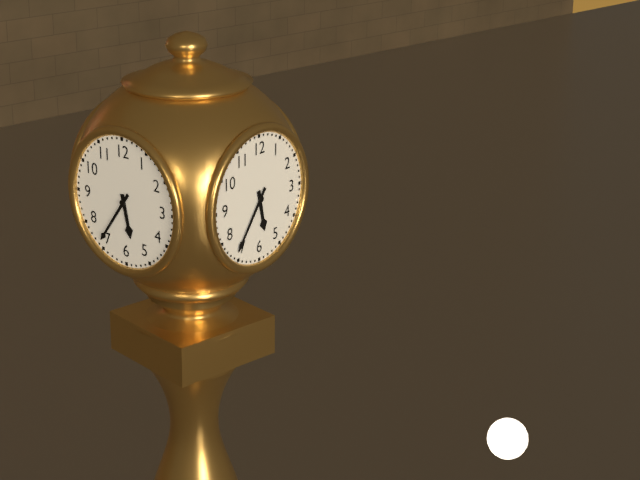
5,36
